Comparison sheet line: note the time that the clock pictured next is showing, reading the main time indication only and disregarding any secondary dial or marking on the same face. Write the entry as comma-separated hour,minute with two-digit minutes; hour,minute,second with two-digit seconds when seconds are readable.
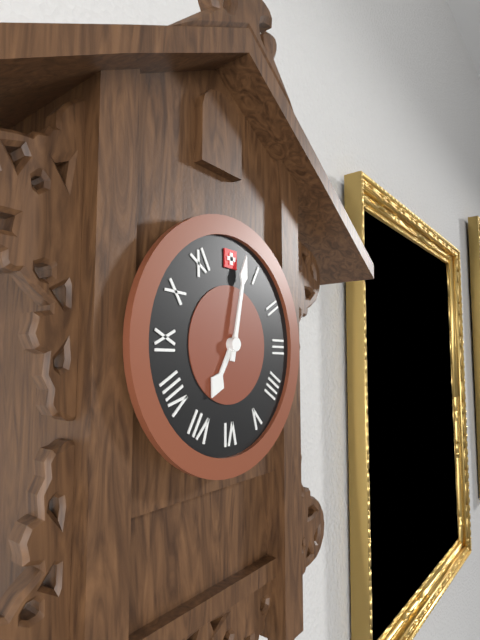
7,02
